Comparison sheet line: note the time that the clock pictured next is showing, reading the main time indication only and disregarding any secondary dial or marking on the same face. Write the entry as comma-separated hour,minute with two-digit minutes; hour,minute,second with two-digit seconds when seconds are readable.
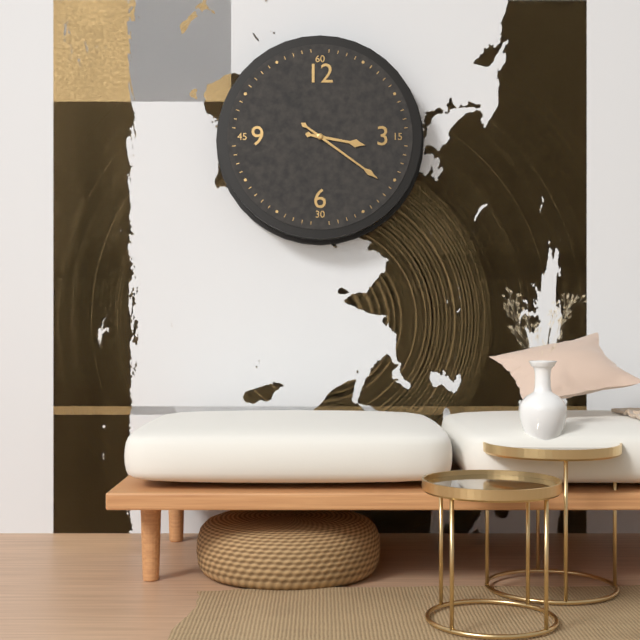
3,21
